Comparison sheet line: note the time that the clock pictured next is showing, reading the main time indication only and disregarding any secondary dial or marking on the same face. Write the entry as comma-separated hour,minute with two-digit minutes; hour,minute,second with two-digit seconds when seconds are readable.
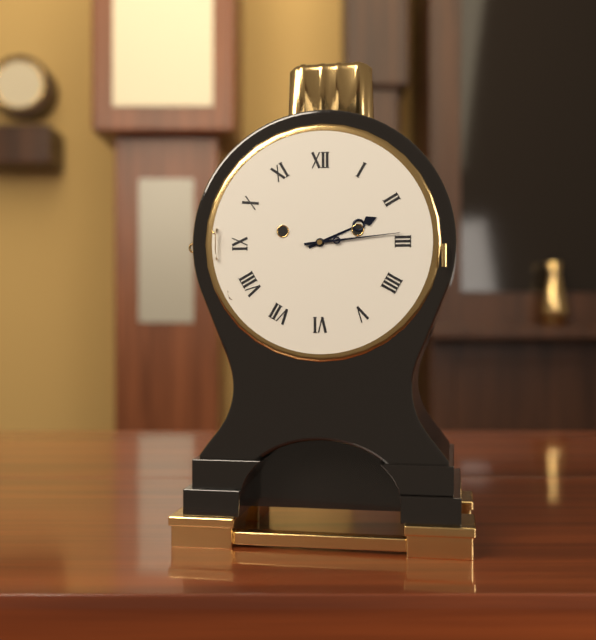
2,14
